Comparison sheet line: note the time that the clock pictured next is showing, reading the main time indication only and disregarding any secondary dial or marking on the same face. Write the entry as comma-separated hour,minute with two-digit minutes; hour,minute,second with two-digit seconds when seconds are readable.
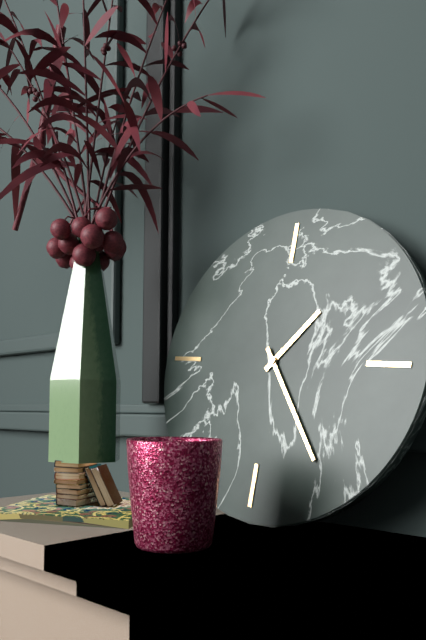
1,24
